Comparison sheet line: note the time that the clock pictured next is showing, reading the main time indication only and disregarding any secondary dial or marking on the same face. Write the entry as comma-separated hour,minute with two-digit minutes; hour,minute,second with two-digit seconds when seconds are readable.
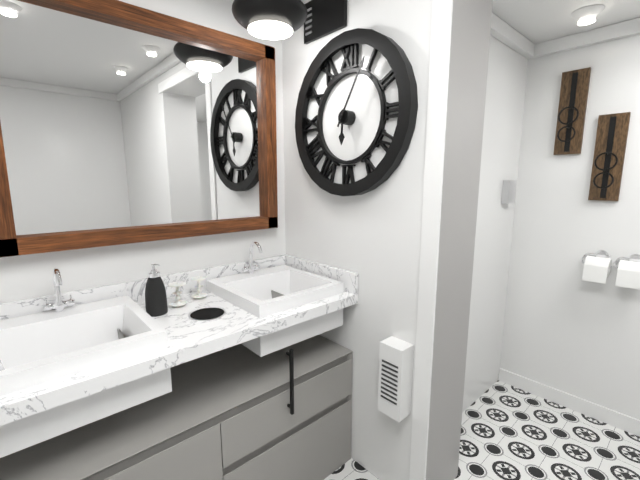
6,05
